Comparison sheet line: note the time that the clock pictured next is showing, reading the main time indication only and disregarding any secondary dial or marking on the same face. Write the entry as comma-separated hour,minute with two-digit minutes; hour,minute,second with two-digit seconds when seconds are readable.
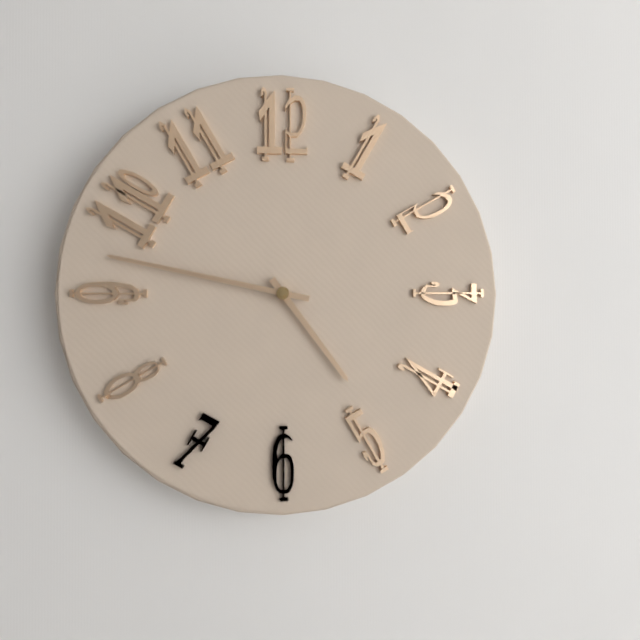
4,47
